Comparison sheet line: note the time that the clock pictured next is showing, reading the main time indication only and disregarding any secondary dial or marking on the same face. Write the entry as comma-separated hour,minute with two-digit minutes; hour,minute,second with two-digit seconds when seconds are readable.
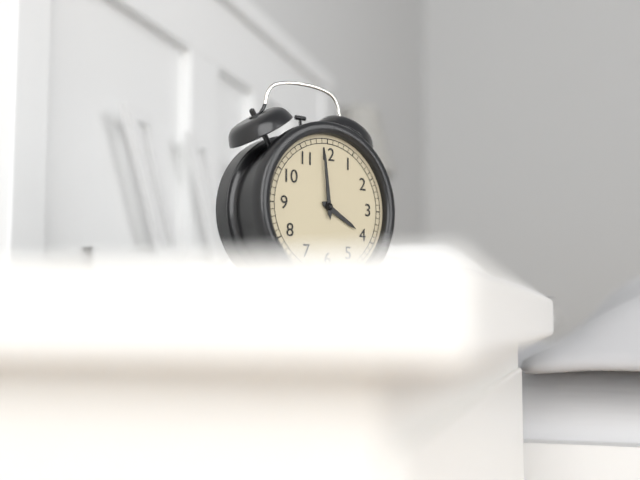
3,59
